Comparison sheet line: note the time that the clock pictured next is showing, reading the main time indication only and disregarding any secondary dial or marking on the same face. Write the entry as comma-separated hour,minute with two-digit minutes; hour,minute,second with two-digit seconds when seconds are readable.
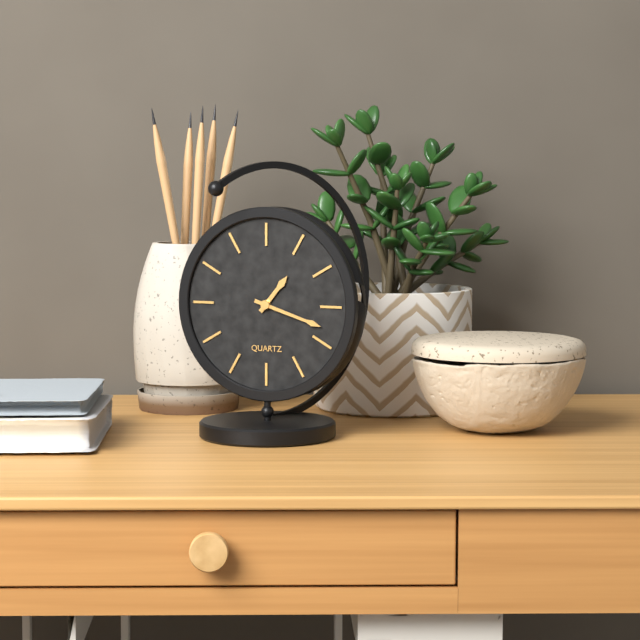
1,18
